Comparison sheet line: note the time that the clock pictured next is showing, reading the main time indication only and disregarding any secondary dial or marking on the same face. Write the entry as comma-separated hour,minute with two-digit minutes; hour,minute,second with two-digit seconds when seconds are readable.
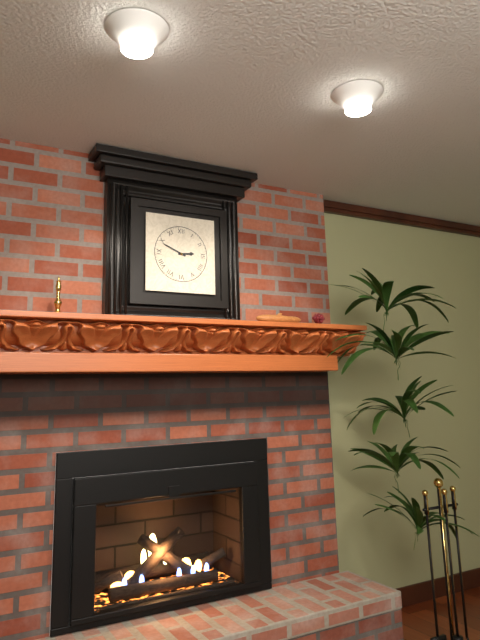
2,49
